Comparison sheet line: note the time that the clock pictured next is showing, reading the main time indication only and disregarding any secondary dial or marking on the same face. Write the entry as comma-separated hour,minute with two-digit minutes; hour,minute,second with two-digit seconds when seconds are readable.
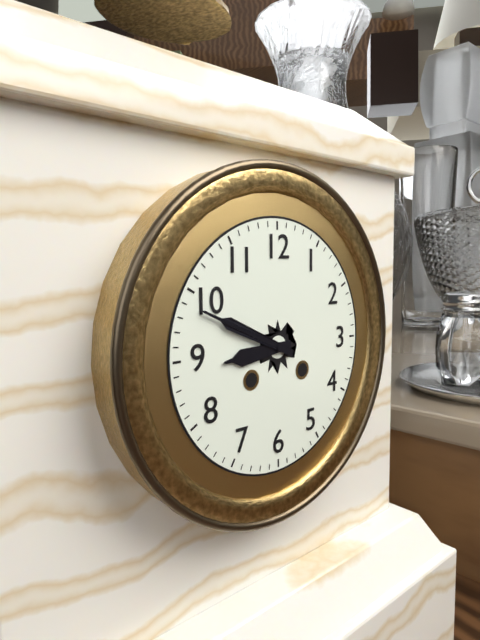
8,49
